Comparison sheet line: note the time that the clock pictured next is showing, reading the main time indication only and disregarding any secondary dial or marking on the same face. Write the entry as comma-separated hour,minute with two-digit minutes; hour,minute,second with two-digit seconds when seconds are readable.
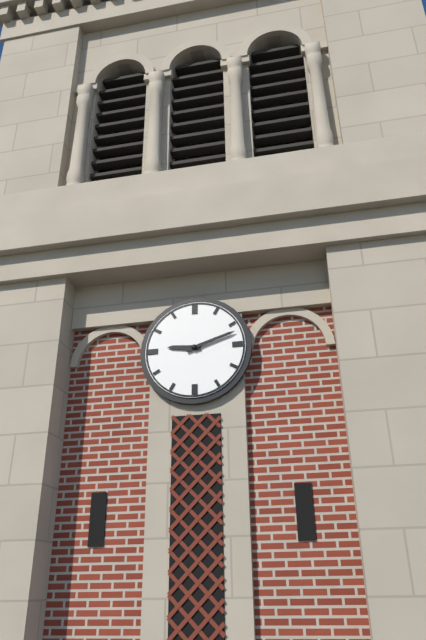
9,12
